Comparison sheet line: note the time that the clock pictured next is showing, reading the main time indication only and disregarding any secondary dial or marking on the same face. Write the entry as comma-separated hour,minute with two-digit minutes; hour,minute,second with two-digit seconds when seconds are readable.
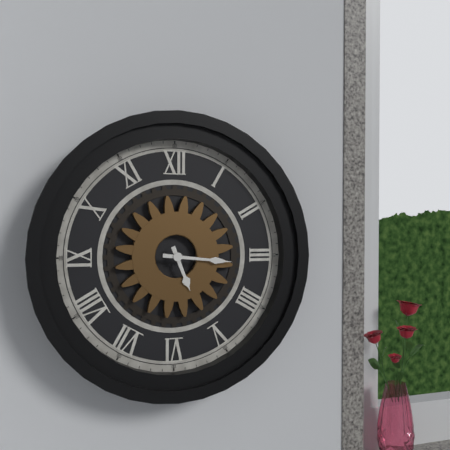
5,16
